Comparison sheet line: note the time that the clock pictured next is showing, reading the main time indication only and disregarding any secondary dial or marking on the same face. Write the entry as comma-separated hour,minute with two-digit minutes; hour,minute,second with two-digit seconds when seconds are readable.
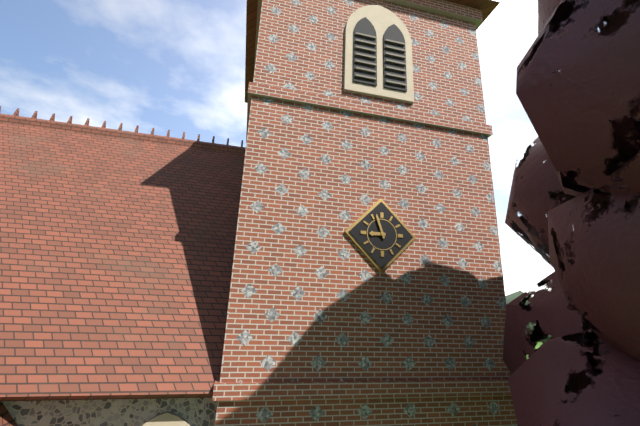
8,57
